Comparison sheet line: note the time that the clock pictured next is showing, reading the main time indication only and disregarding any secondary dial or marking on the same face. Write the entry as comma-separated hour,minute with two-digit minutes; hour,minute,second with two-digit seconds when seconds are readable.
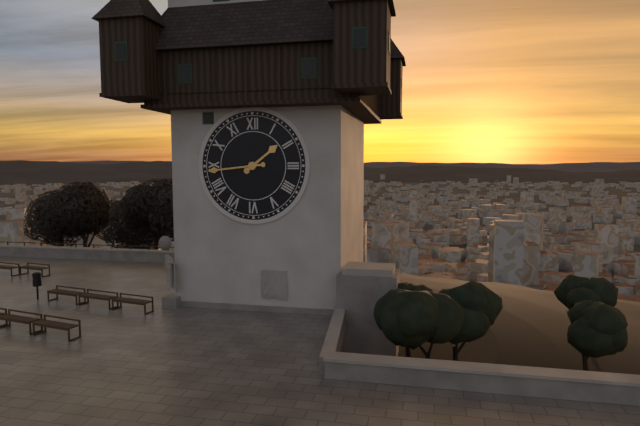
1,44
